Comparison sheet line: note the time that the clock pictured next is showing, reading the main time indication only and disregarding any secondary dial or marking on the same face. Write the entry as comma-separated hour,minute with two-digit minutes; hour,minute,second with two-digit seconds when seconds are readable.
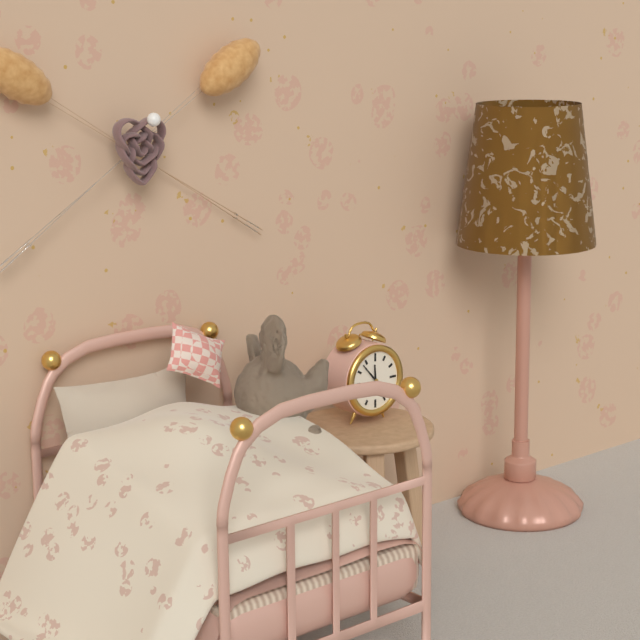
11,53
